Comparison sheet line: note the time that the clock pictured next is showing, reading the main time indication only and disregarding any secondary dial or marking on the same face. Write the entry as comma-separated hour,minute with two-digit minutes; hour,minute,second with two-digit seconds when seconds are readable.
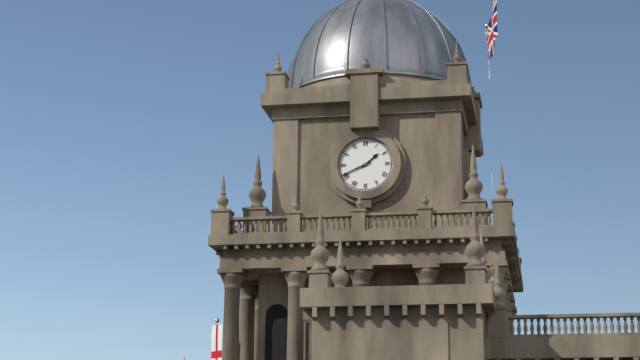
1,41
